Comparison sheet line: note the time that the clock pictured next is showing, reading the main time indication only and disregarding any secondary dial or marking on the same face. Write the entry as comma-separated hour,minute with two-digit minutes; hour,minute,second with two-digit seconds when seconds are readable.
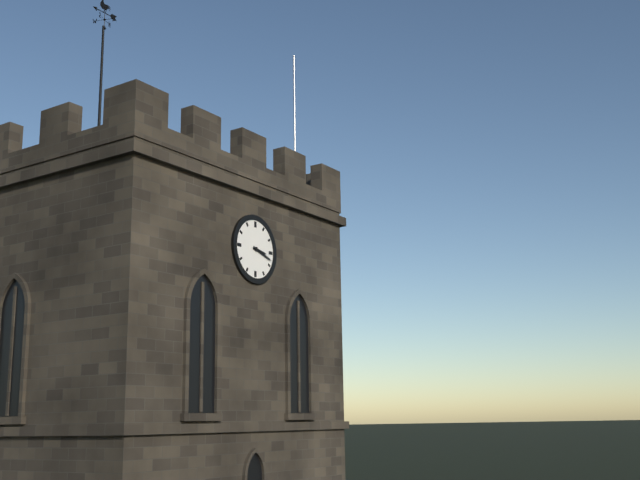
3,18
